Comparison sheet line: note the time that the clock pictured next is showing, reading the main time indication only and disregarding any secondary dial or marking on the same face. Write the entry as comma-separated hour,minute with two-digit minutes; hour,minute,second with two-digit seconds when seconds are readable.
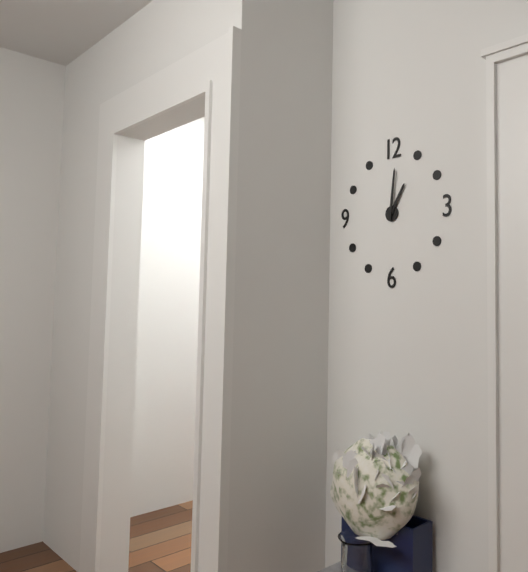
1,01
